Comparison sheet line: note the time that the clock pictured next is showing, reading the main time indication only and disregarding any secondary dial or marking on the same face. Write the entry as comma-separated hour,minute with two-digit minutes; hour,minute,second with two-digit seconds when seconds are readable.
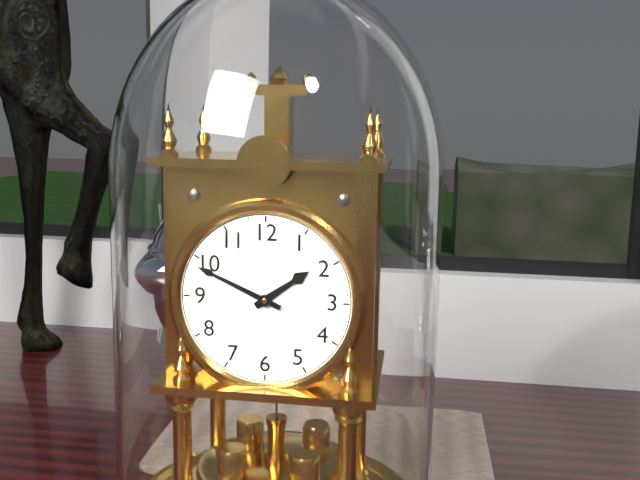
1,49
